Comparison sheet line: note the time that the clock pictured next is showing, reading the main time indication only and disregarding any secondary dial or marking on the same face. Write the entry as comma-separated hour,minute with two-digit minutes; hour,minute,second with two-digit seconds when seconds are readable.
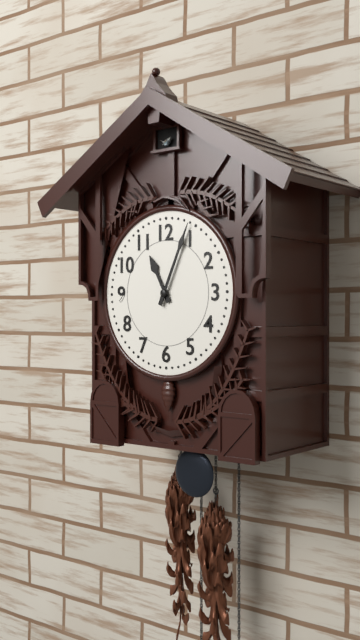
11,04
